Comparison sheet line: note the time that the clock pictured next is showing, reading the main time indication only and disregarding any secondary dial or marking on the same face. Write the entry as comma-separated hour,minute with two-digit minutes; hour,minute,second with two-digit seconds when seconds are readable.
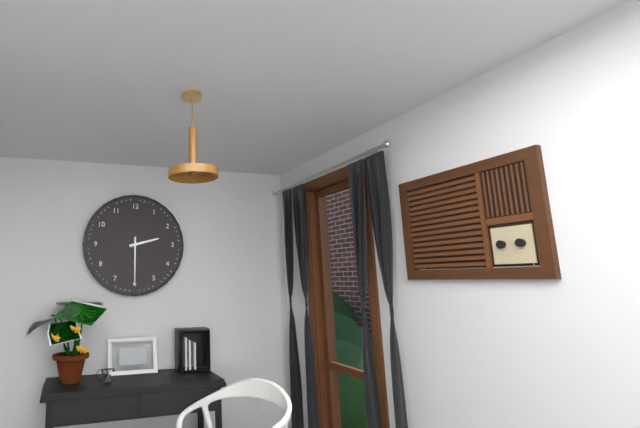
2,30
